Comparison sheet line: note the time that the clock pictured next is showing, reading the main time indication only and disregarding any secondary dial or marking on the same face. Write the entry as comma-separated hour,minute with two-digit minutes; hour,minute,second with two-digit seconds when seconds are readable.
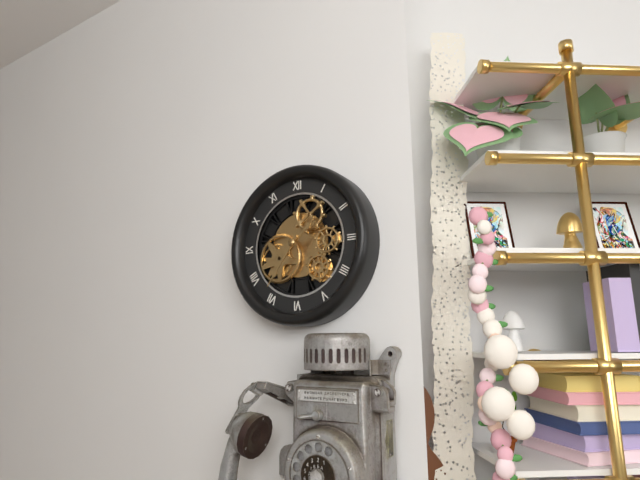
1,36
